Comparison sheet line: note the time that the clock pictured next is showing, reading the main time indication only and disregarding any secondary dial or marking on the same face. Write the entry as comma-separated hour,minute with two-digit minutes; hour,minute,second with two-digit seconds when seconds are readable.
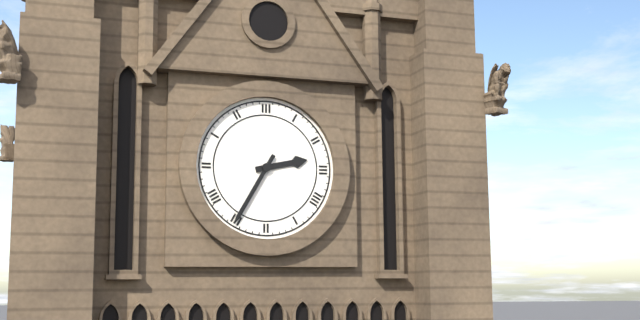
2,35
